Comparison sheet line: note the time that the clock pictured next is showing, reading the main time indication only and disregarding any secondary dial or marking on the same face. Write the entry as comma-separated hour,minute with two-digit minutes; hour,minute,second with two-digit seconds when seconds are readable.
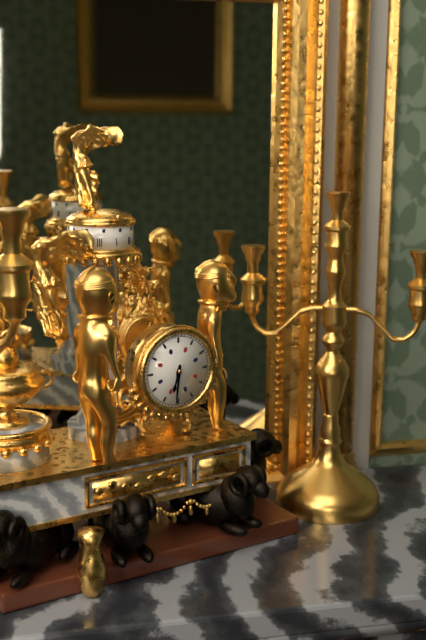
6,31
